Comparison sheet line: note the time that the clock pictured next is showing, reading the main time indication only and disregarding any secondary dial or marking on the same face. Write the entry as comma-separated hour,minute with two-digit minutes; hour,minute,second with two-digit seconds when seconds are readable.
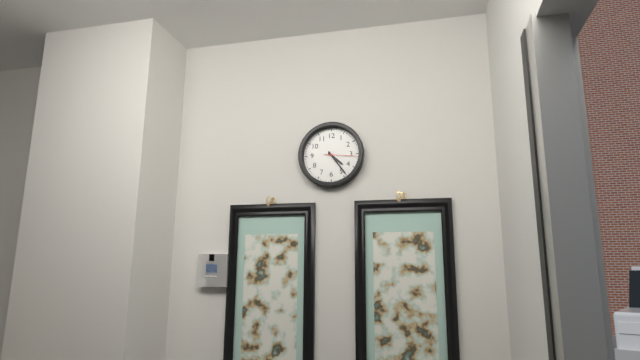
4,24
